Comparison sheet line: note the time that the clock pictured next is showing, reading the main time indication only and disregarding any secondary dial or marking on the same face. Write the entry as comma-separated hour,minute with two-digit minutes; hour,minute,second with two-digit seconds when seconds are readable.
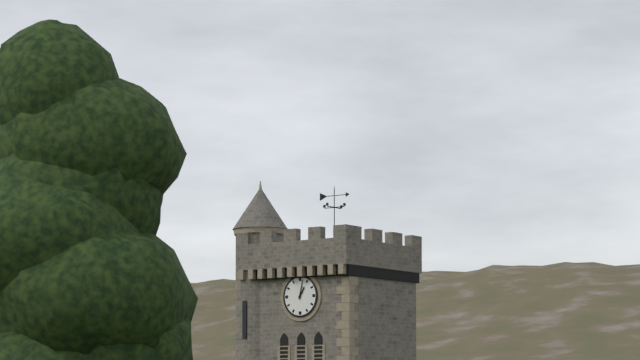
1,02
